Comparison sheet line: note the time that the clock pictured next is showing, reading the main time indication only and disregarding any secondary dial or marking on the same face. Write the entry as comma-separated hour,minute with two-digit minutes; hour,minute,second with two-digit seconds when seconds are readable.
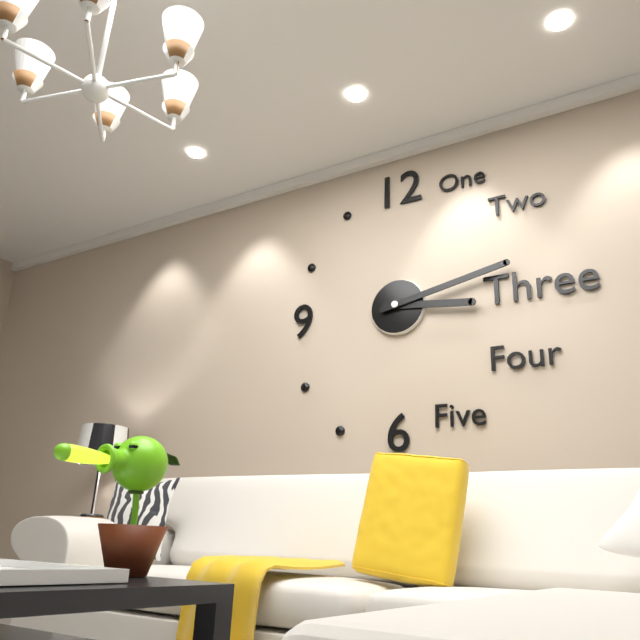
3,13
